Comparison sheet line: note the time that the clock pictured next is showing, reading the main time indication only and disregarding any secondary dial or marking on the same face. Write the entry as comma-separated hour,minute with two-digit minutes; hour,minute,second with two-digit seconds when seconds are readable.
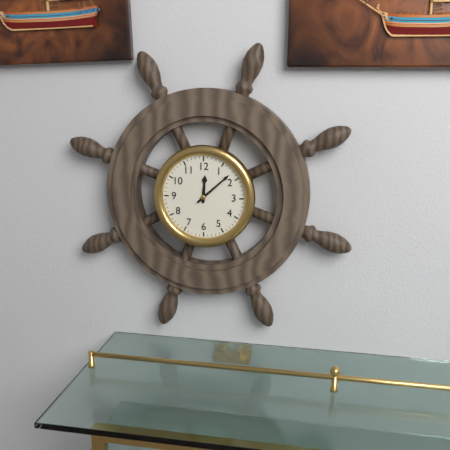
12,08
